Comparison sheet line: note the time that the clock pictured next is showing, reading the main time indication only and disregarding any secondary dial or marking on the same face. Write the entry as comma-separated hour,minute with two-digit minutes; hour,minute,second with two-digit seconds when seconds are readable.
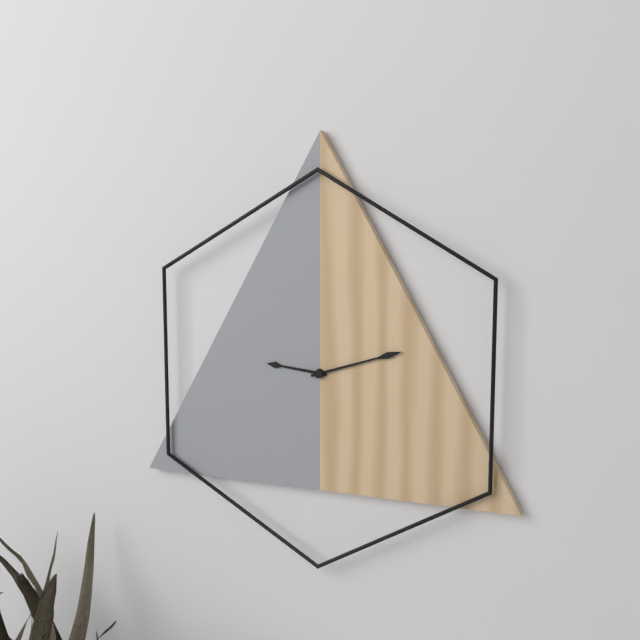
9,12
